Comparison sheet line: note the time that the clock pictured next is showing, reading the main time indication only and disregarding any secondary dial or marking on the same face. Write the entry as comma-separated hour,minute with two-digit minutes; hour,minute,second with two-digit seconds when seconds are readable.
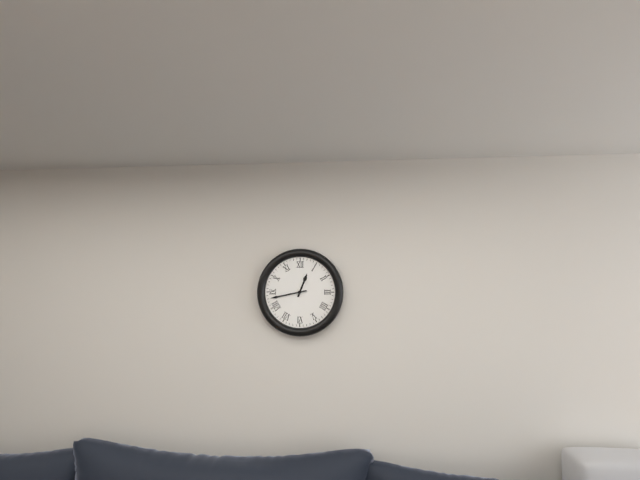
12,43
